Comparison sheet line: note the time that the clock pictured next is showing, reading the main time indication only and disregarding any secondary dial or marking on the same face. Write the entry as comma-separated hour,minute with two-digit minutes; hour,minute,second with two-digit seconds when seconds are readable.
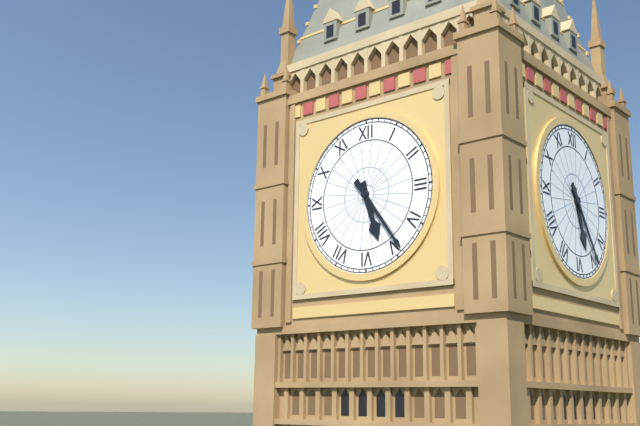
5,24
